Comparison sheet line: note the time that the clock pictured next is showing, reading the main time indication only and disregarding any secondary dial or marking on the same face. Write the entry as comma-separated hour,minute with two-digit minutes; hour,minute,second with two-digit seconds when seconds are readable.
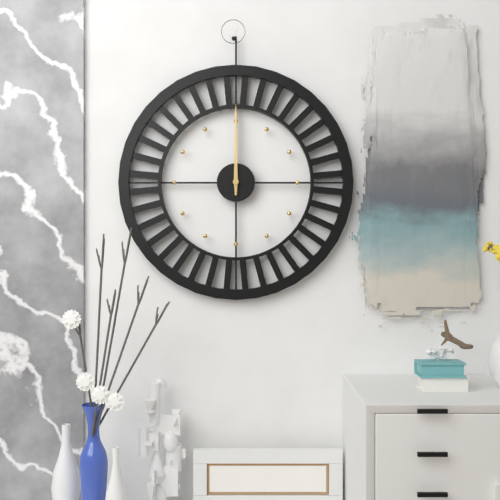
12,00
